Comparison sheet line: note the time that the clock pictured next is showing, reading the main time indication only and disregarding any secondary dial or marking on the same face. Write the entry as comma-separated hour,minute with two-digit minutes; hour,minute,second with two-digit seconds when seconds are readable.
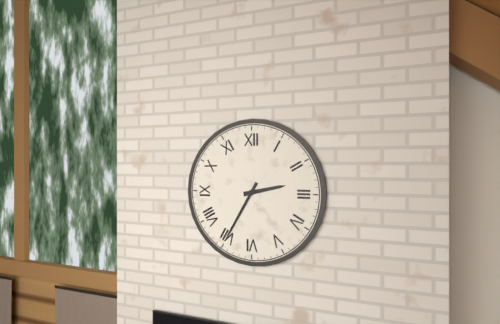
2,35
